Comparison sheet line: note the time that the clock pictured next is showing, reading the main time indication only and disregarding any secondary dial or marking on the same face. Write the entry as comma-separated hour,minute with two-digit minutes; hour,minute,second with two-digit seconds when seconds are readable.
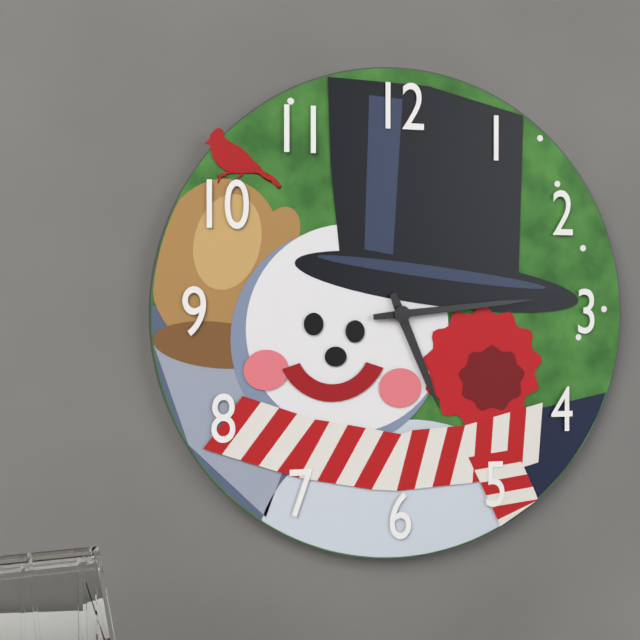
5,14
